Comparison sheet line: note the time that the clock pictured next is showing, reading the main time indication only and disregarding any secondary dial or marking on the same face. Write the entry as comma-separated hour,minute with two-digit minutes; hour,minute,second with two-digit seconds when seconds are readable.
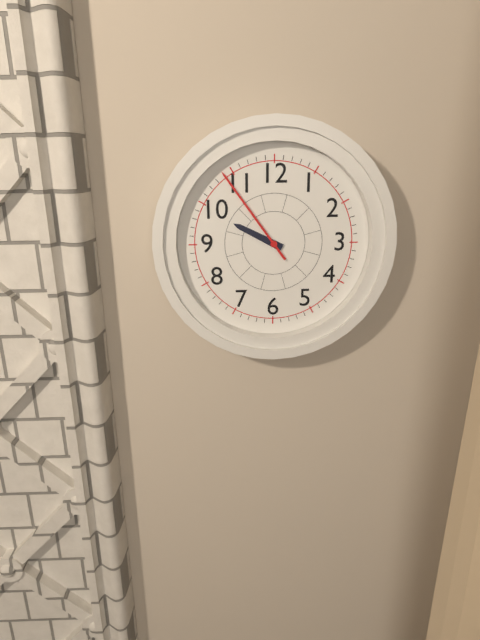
9,54
